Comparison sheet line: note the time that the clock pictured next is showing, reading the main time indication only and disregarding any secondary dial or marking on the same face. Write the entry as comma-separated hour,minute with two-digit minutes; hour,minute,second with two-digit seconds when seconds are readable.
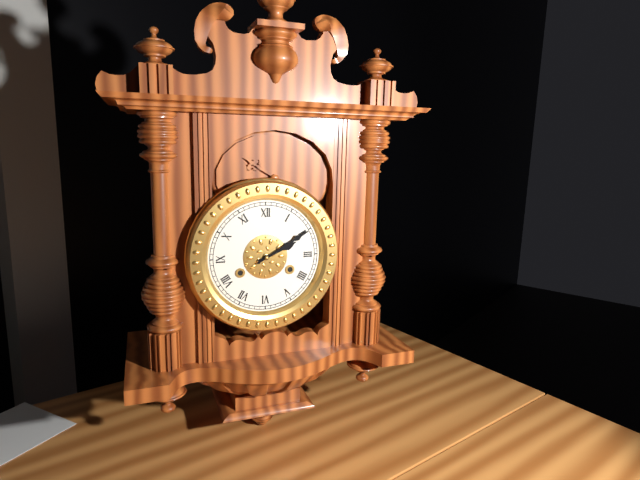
2,10
